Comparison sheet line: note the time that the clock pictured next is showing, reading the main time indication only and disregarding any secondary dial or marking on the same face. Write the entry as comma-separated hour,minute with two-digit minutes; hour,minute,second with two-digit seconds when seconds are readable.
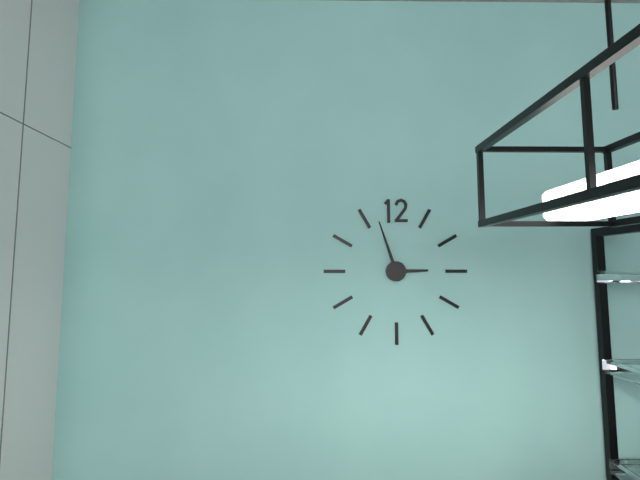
2,57
